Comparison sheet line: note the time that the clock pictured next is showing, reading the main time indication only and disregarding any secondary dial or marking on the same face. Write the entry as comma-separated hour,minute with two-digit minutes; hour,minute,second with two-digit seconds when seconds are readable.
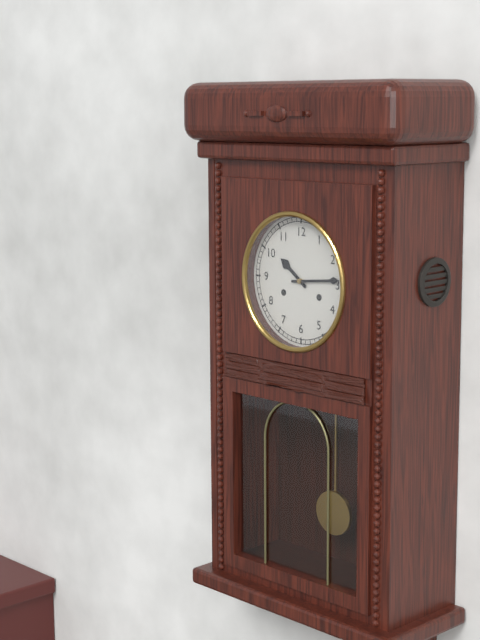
10,14
